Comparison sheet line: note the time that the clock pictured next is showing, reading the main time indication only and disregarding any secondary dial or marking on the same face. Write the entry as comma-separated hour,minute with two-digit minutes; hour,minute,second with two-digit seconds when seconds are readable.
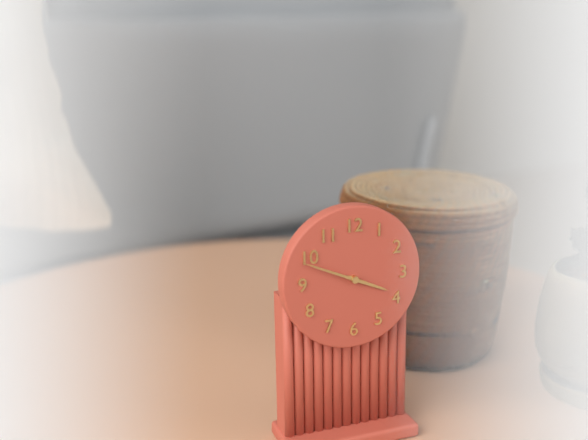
3,49
